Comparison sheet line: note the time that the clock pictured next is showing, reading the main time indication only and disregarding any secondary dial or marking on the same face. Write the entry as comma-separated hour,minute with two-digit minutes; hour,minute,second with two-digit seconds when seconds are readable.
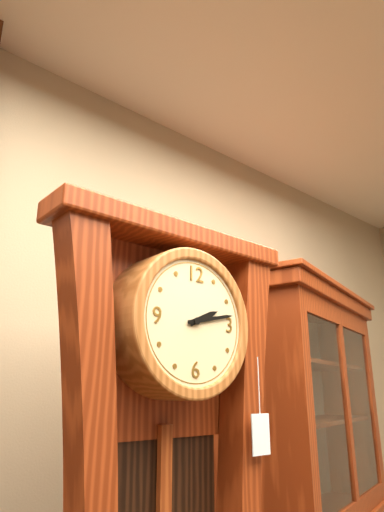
2,13
